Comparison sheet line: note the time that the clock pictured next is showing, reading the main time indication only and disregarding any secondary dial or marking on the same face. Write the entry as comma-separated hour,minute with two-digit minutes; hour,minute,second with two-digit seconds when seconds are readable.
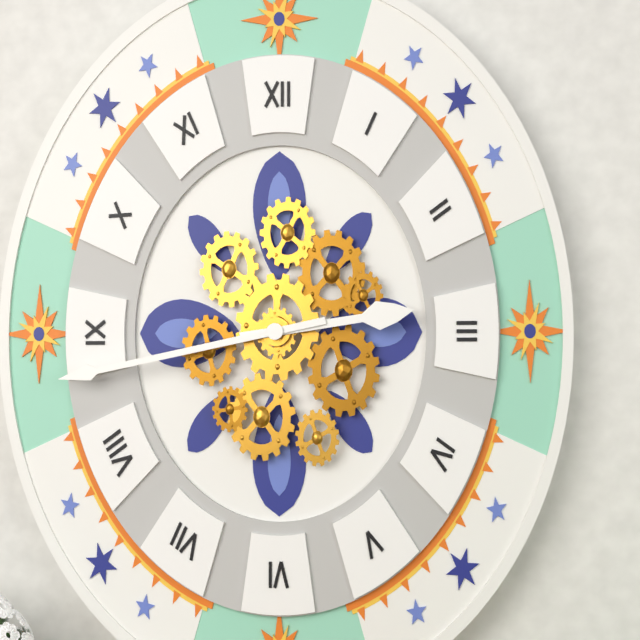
2,43
